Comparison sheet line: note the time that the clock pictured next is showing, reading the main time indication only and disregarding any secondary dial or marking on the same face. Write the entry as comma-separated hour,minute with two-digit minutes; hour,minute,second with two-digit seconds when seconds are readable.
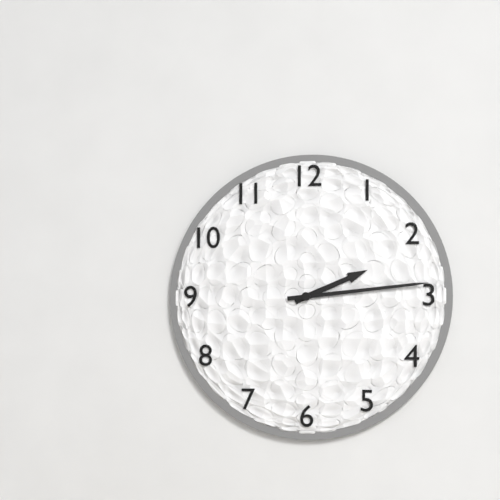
2,14
